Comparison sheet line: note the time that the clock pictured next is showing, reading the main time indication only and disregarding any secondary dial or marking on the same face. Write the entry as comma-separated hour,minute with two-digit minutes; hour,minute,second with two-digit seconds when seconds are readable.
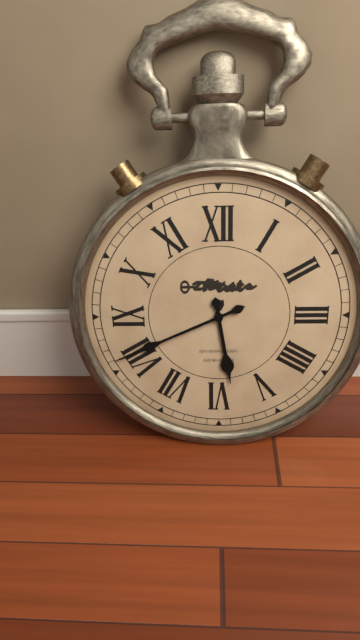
5,41
